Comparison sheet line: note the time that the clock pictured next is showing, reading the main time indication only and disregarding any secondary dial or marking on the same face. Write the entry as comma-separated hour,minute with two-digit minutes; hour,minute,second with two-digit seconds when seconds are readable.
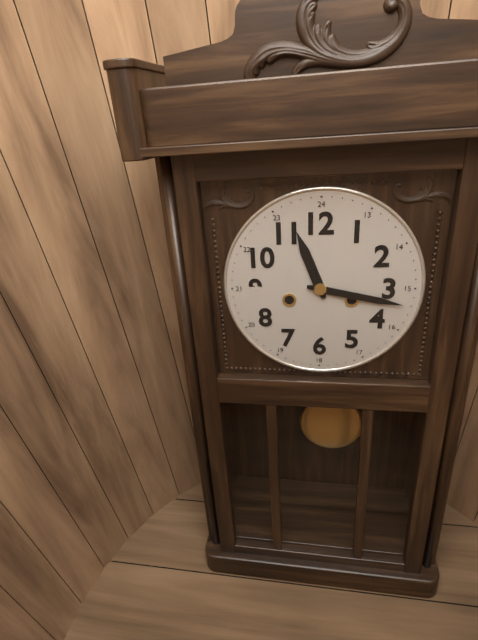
11,17
